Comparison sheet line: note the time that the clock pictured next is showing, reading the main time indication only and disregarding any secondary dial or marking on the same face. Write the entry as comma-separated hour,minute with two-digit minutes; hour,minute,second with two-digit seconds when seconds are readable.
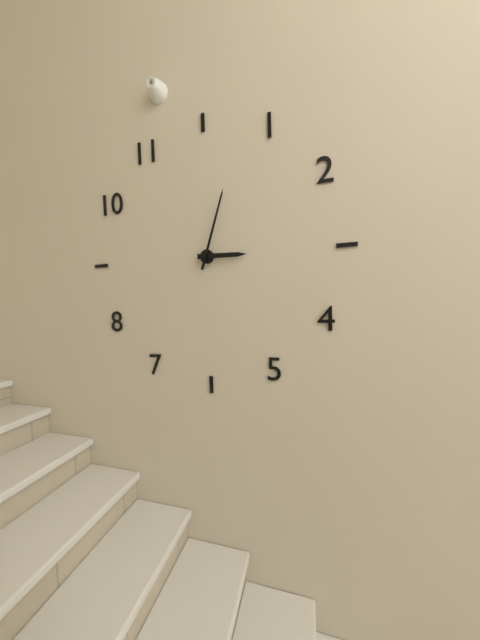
3,03
